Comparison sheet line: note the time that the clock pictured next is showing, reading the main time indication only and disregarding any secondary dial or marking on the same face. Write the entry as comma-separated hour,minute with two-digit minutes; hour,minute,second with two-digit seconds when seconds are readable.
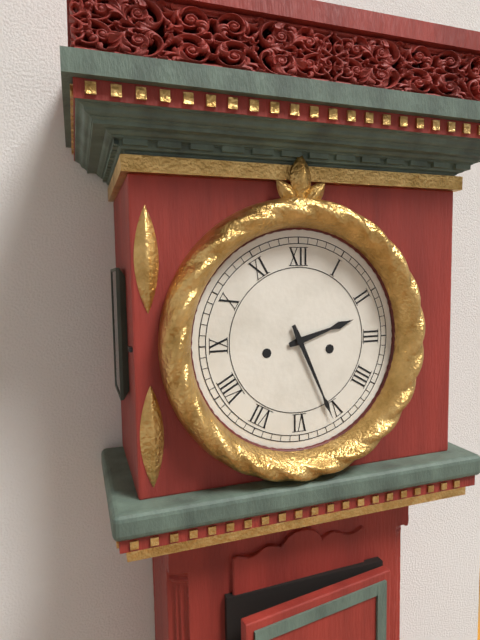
2,26
